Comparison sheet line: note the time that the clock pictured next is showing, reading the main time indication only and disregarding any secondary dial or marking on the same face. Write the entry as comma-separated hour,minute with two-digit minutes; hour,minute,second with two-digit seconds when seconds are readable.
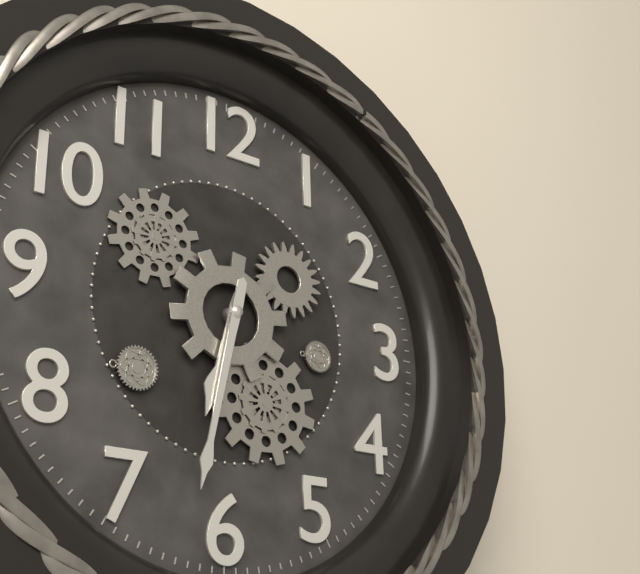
6,32
